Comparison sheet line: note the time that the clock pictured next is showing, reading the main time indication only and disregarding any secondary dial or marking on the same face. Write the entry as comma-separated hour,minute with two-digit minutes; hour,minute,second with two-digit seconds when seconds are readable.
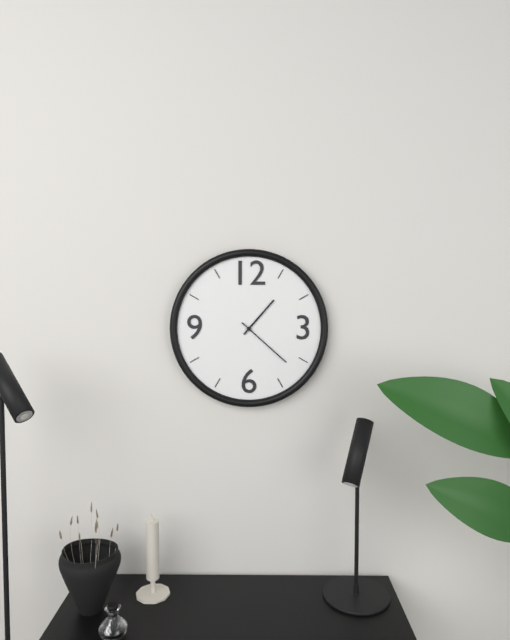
1,22
